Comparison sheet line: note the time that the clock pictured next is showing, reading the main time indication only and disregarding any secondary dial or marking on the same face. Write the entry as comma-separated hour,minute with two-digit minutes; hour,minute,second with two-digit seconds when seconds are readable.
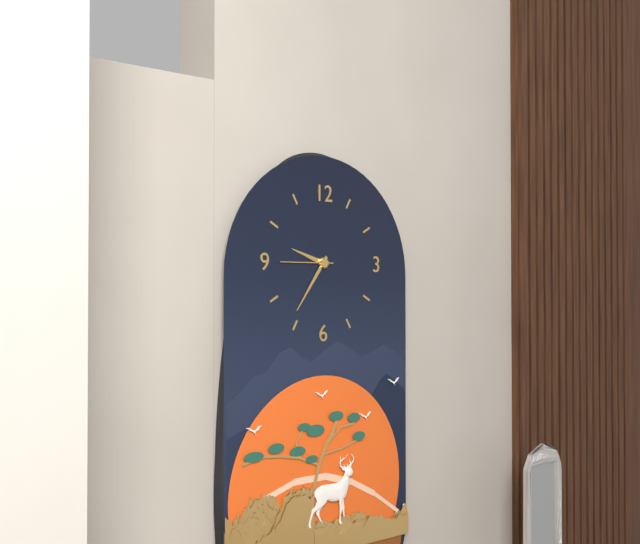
9,36
